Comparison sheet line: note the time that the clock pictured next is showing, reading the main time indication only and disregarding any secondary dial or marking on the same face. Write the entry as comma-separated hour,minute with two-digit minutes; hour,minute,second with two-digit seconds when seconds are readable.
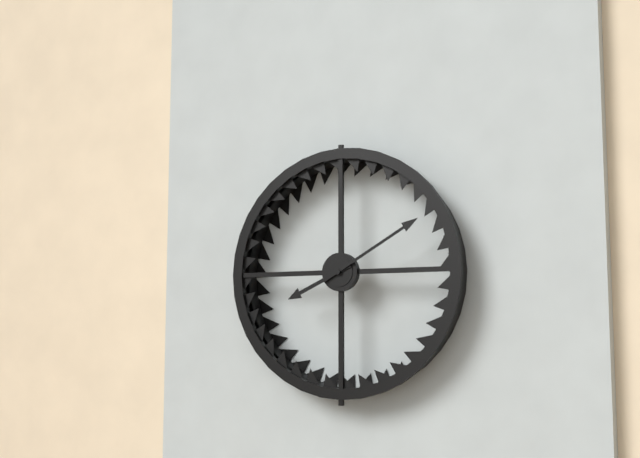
8,10
